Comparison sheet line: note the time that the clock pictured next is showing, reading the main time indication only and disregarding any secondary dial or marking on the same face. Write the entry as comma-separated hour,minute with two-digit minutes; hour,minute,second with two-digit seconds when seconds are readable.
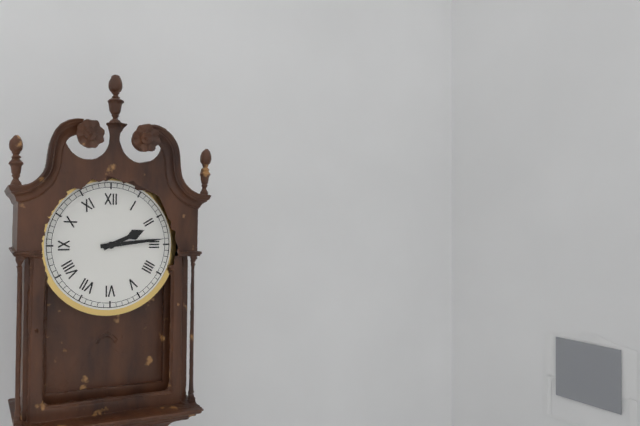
2,14
